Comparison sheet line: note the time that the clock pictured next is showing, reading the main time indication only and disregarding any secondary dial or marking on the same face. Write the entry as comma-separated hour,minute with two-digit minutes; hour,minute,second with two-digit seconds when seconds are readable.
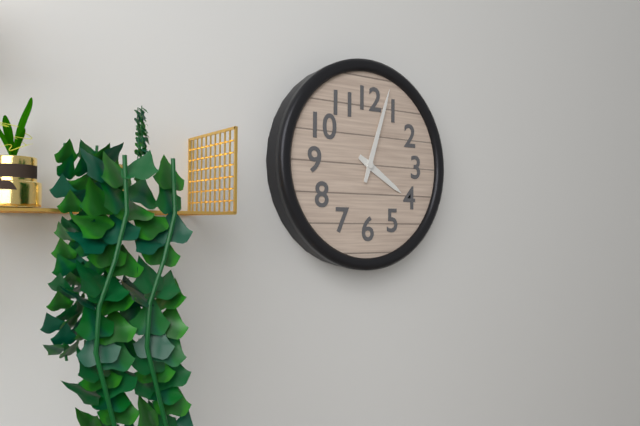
4,03
